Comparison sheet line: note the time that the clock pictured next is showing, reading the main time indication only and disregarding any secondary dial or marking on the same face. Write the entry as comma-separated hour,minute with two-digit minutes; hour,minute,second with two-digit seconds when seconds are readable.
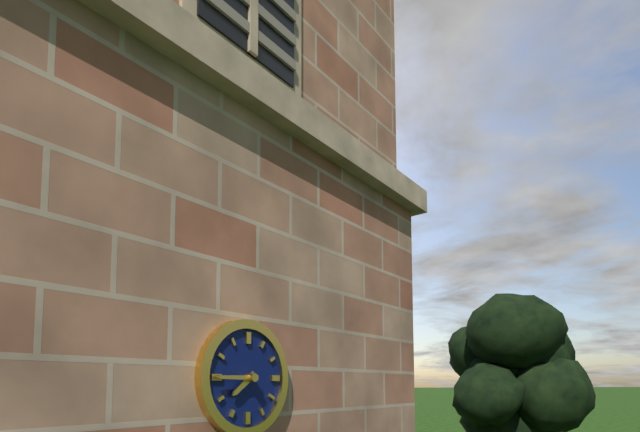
7,45
